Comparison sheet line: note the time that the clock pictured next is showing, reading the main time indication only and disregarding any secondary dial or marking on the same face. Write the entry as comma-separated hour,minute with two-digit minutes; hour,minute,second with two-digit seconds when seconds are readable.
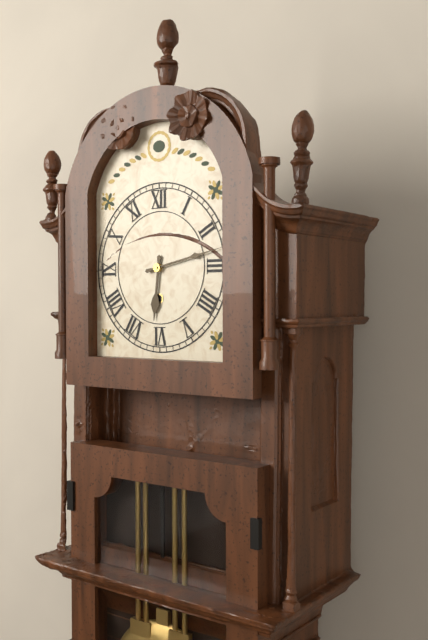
6,13
